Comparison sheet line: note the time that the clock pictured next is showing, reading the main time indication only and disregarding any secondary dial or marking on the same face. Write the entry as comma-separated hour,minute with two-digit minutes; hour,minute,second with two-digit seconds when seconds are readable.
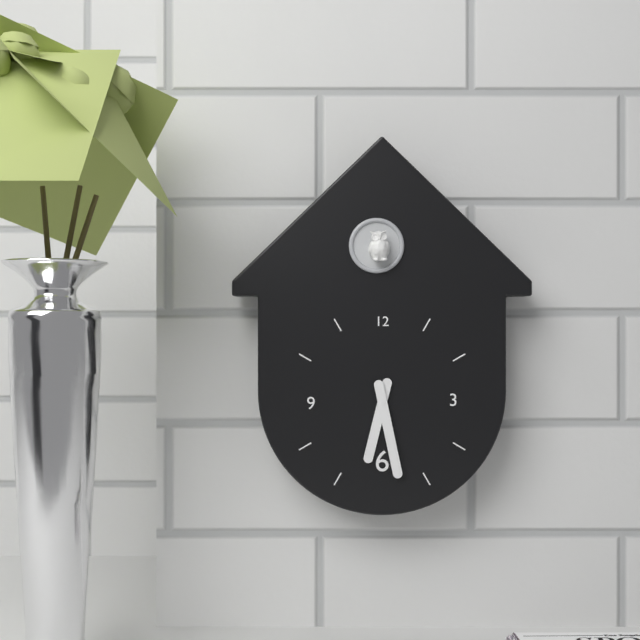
6,28
